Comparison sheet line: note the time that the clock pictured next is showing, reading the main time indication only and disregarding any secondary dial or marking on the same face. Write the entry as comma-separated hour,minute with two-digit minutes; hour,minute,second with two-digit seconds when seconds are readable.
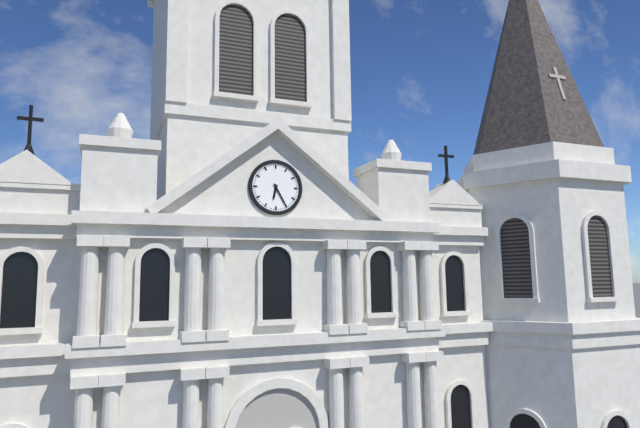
6,25
